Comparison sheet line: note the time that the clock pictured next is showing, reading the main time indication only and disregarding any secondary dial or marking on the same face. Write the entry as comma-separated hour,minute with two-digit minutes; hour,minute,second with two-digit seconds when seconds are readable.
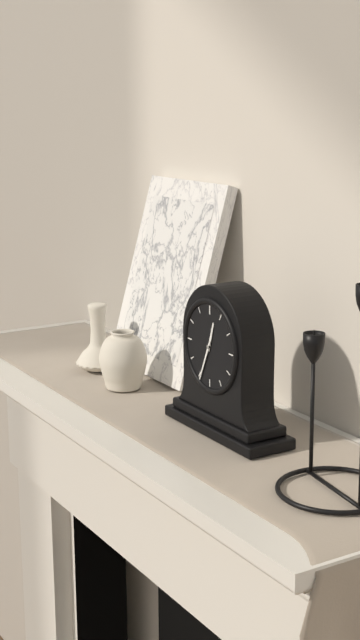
12,34
